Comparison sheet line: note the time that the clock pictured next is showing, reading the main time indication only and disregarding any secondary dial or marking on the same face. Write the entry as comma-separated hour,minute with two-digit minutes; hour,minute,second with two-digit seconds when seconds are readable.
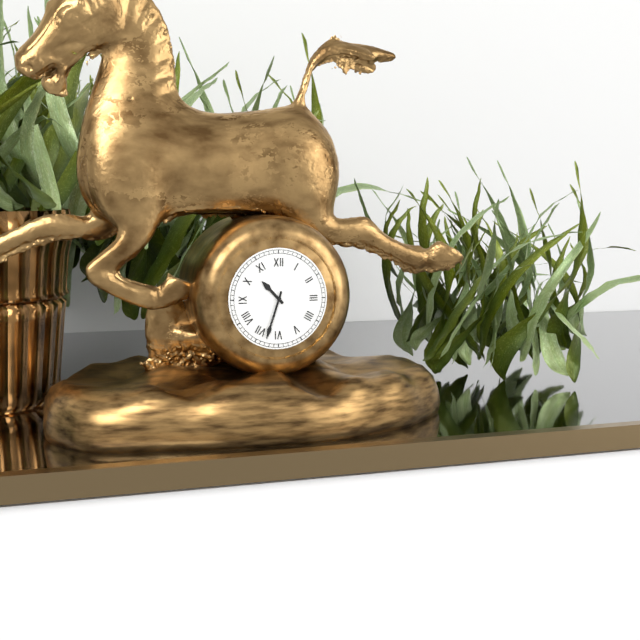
10,33
